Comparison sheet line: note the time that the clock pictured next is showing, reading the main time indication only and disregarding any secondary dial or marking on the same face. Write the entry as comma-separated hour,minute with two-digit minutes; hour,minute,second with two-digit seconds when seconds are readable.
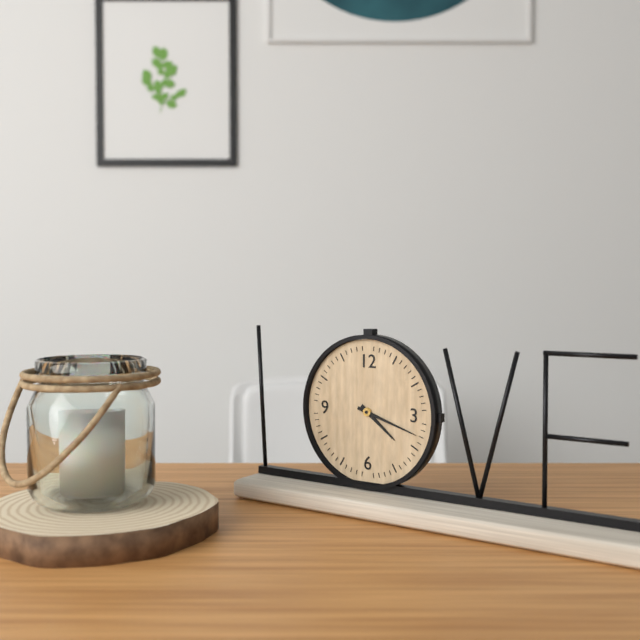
4,18
